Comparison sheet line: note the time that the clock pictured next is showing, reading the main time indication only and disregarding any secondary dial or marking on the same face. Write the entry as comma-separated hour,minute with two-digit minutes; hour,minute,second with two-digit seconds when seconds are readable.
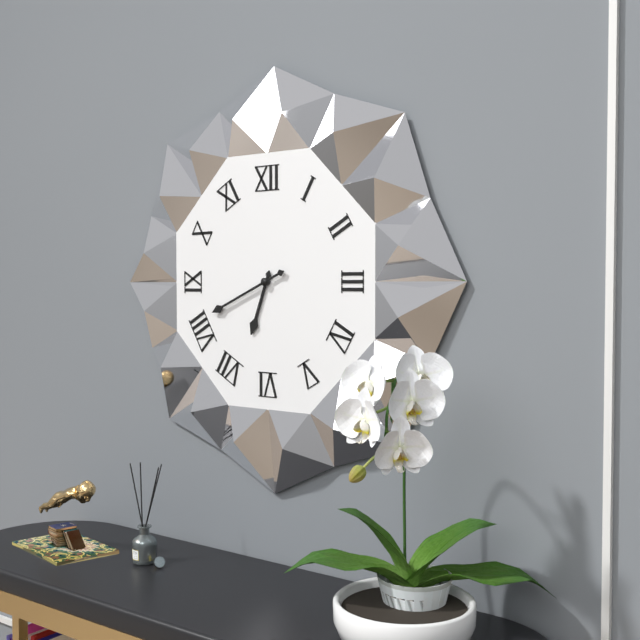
6,41
